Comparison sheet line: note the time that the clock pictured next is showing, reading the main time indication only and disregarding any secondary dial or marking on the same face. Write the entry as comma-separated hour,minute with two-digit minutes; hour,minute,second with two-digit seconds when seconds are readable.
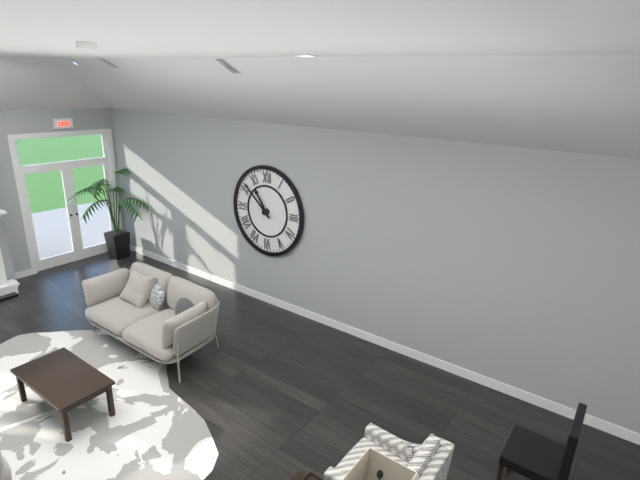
10,52
